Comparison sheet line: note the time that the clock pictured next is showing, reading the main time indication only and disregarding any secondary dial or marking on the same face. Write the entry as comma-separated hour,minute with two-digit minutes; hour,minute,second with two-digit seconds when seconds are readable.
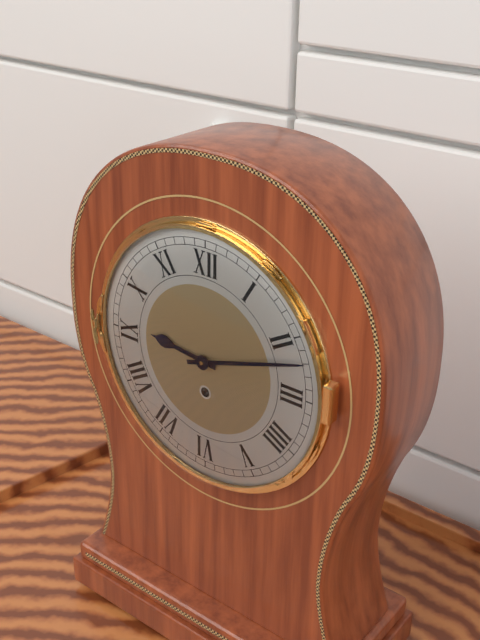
9,12
